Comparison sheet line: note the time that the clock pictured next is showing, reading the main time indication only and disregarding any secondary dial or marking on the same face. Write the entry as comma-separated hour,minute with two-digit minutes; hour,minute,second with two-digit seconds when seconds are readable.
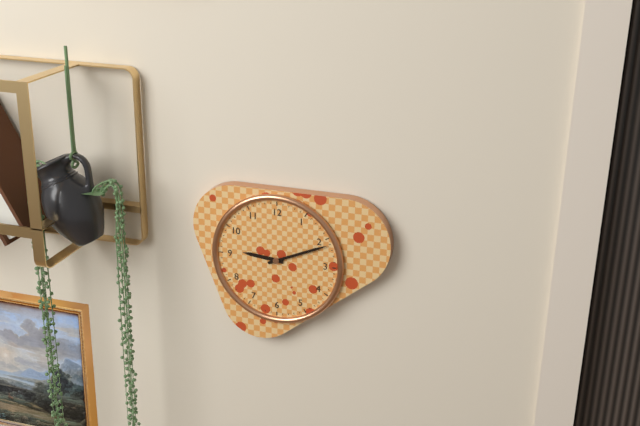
9,11
